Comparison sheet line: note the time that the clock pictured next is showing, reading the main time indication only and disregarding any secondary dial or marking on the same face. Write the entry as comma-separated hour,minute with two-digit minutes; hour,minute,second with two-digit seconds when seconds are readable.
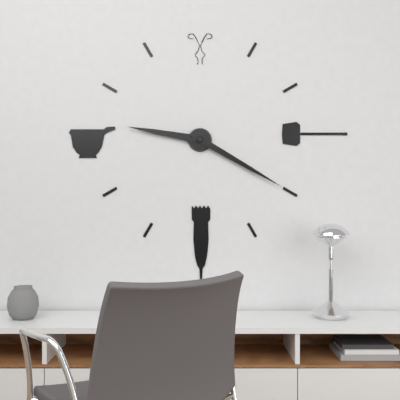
9,20
